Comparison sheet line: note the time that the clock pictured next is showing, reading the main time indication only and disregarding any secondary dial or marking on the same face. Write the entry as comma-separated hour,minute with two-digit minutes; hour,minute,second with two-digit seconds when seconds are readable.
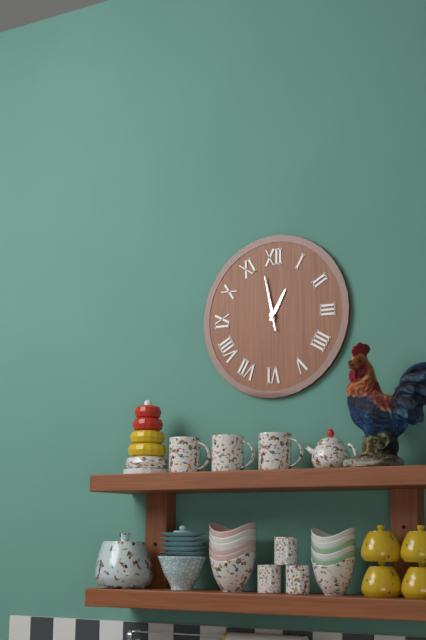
12,58
